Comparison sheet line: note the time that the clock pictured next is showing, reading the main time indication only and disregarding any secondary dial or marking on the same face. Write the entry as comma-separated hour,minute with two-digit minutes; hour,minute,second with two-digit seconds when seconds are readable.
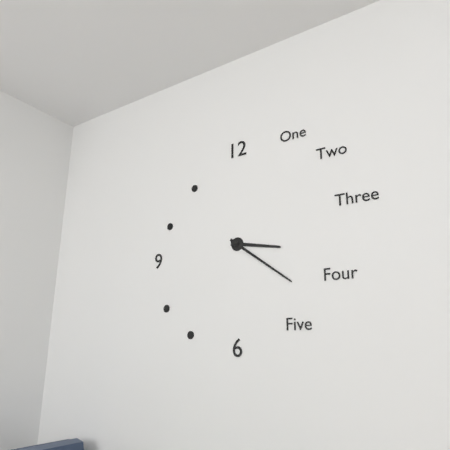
3,21
